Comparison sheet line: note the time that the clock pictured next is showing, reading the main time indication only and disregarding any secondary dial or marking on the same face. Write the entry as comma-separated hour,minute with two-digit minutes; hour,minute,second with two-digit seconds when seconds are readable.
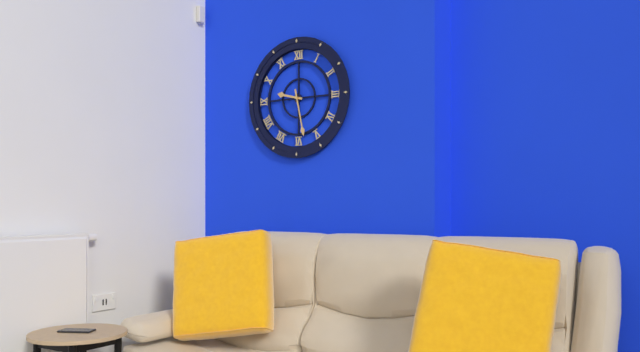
9,28
